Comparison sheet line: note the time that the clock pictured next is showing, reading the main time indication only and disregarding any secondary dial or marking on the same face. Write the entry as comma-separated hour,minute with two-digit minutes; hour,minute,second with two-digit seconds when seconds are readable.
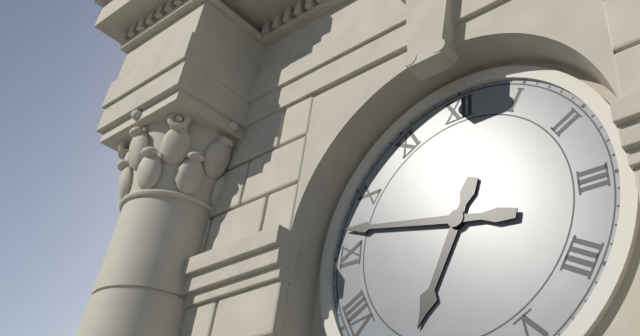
6,47
